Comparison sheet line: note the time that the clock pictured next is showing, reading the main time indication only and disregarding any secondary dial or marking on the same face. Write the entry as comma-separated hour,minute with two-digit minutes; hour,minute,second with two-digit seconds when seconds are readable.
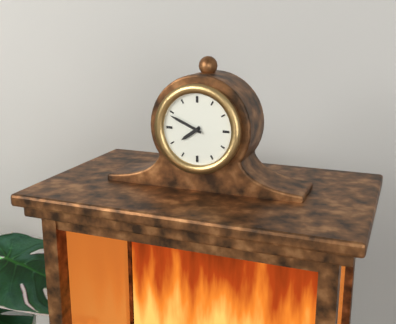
7,49
